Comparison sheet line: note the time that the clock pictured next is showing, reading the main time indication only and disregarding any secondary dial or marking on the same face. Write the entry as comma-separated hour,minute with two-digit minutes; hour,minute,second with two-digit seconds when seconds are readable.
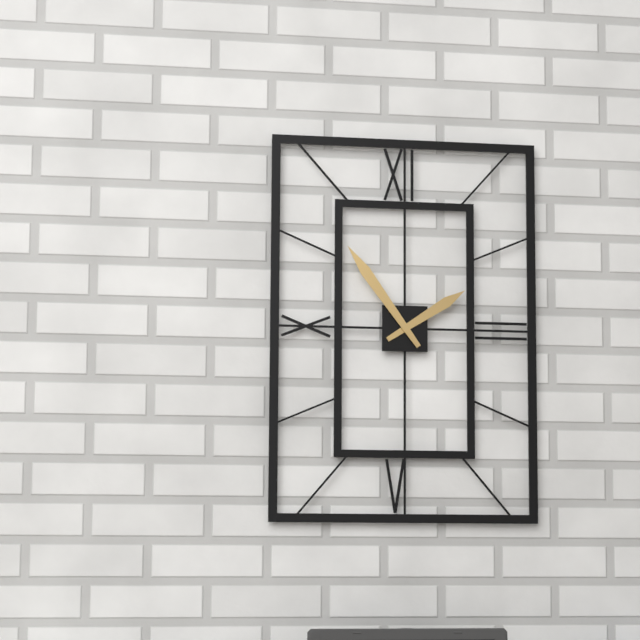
1,54
